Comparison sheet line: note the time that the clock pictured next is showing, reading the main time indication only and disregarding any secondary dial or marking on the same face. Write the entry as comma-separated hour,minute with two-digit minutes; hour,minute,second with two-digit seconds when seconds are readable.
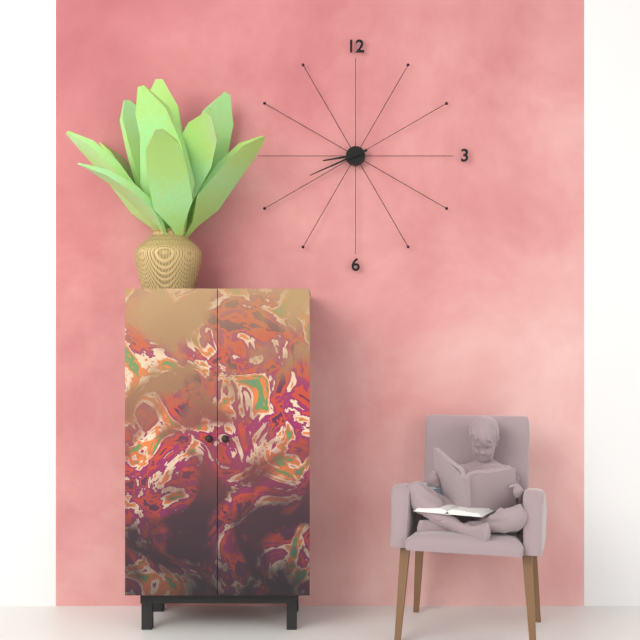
8,41
